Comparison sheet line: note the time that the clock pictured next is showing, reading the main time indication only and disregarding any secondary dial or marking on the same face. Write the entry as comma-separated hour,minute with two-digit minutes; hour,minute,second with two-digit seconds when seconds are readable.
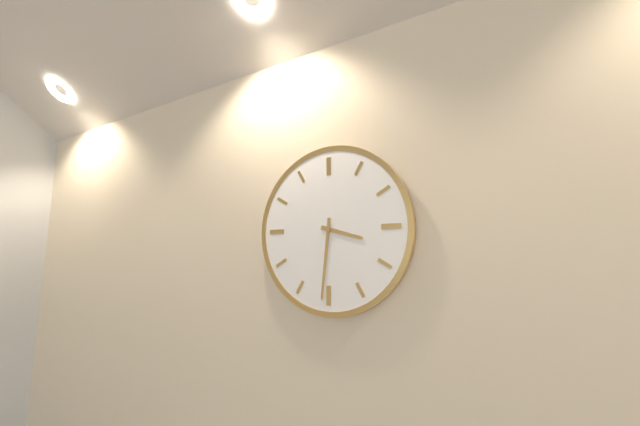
3,31
